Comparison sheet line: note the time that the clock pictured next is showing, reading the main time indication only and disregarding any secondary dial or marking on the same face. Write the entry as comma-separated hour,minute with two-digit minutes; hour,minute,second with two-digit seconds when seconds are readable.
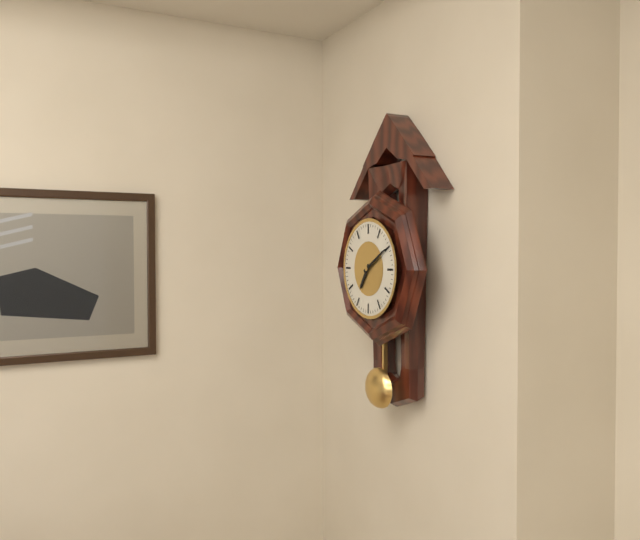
7,10
